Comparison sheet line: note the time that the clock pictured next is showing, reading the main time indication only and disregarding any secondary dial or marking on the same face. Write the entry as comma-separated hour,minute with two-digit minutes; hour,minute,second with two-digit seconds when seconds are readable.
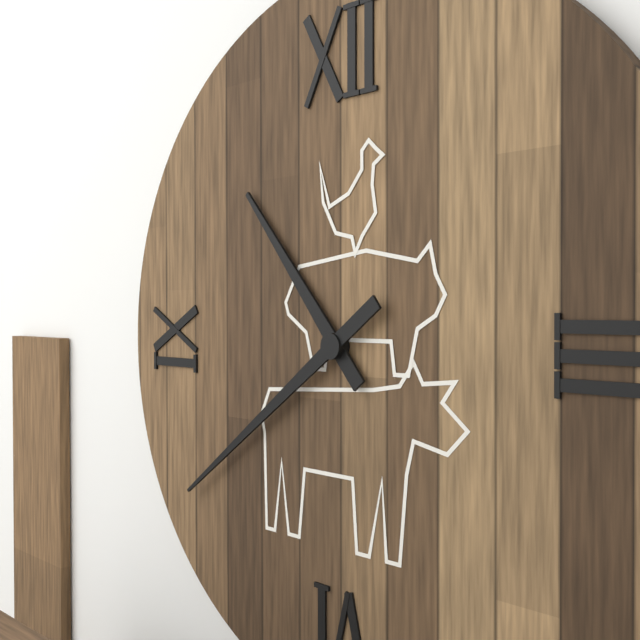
10,39
